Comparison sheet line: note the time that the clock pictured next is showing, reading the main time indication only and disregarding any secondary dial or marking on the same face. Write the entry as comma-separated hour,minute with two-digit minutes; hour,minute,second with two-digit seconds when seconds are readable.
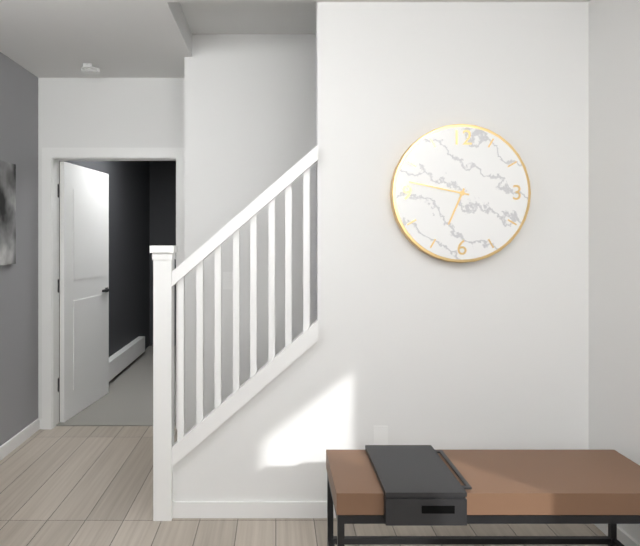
6,47
